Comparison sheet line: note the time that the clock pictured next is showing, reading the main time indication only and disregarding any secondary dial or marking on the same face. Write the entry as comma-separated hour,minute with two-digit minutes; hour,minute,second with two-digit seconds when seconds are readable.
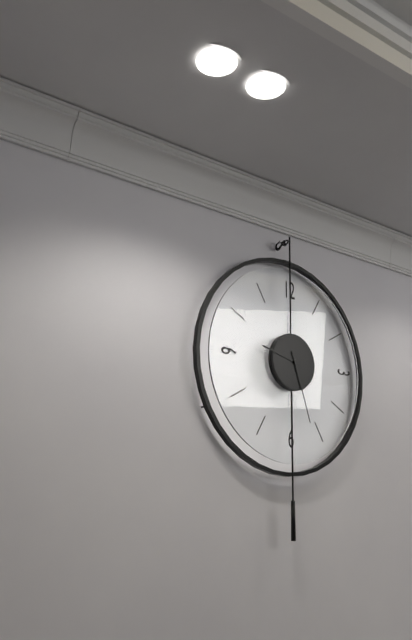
9,27
